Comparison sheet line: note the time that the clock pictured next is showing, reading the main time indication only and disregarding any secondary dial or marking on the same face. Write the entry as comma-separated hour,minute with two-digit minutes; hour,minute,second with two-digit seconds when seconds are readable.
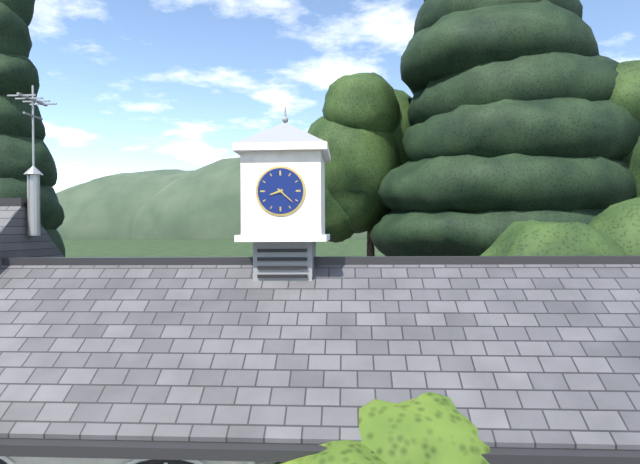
8,22
